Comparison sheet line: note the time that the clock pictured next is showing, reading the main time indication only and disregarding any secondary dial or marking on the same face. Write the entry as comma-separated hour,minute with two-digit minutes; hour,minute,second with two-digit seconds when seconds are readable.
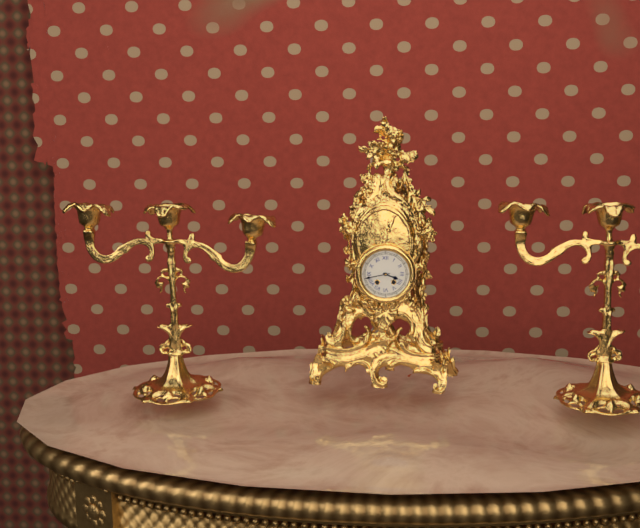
3,43
